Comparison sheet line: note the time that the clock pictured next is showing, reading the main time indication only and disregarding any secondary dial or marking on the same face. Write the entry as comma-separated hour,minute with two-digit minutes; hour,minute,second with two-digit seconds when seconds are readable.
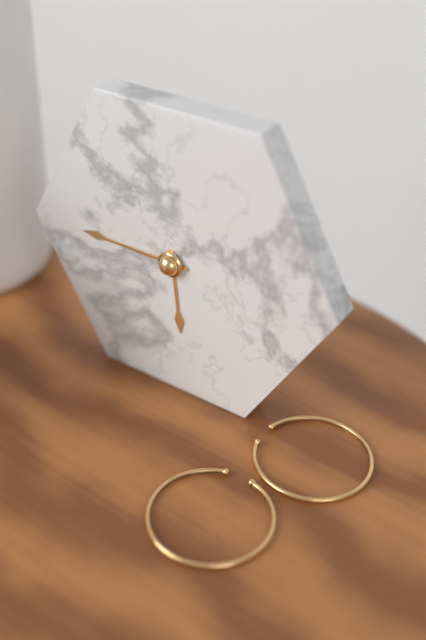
5,45
